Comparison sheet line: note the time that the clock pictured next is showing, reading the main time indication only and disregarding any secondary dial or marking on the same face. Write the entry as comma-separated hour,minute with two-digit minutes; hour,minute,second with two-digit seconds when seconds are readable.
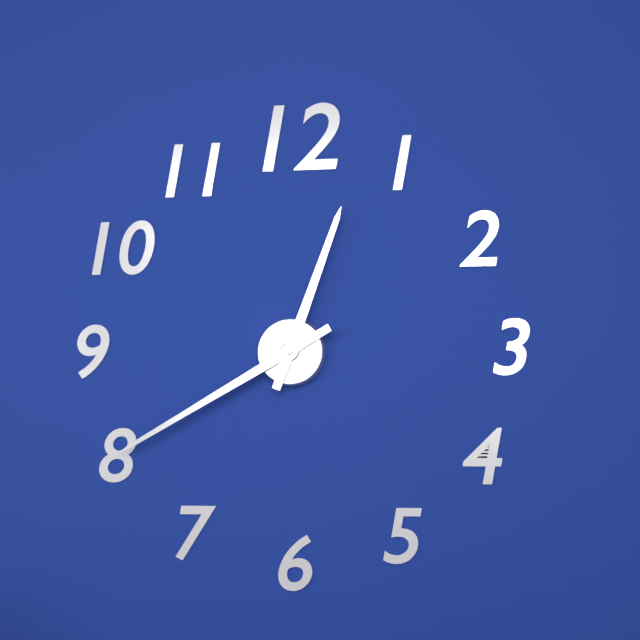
12,40
